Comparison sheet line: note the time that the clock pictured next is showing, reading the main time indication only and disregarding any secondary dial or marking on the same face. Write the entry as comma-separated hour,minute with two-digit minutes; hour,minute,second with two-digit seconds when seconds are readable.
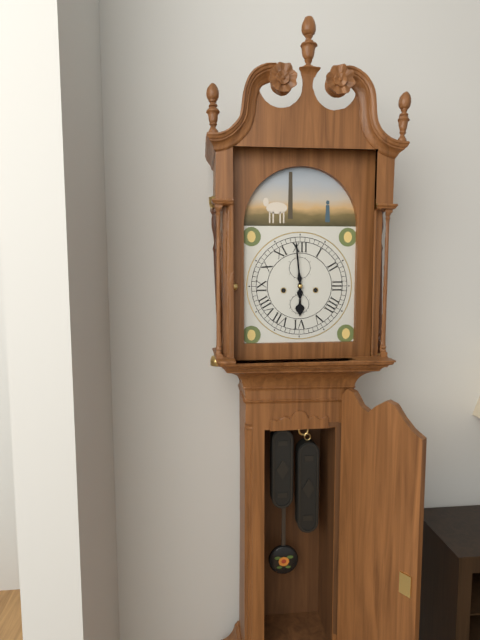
5,59
